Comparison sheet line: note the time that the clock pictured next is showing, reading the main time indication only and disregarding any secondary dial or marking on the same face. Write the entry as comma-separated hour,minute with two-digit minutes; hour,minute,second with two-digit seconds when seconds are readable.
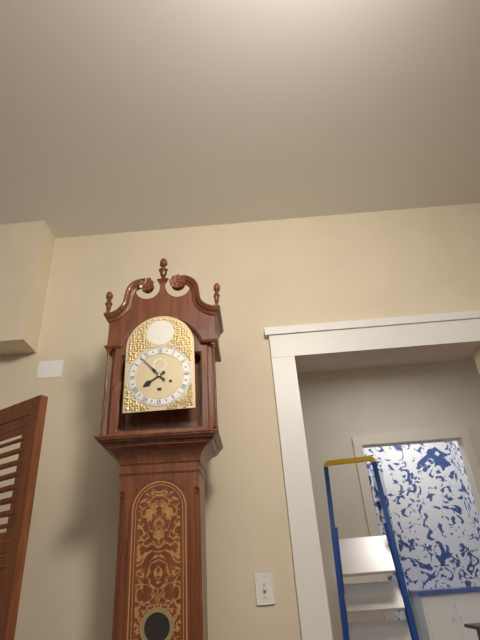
7,53
